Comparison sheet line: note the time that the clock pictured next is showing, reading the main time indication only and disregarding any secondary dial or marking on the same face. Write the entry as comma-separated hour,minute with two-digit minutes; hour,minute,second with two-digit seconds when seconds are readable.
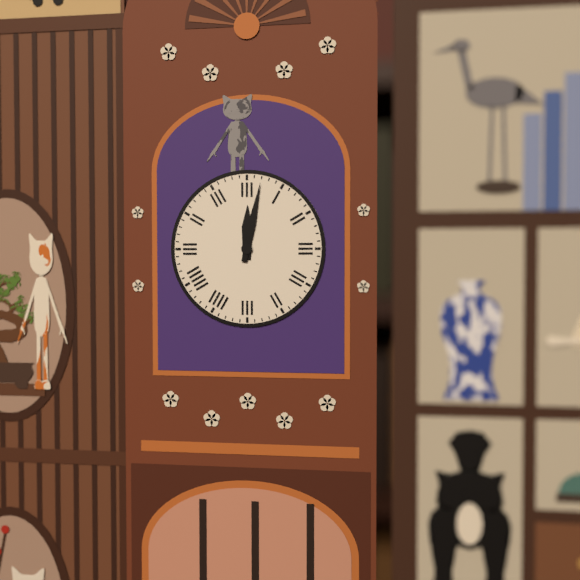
12,02
